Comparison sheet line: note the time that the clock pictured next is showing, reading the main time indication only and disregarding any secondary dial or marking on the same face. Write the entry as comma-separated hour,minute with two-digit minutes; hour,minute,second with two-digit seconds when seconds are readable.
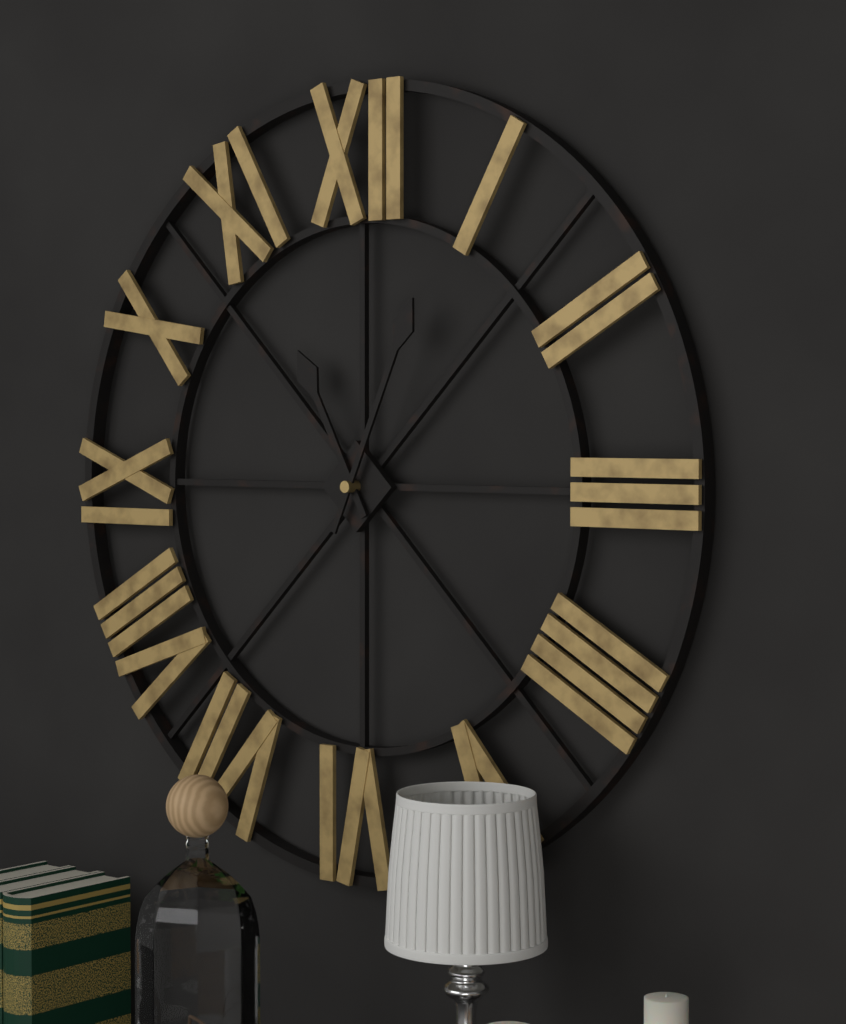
11,04
